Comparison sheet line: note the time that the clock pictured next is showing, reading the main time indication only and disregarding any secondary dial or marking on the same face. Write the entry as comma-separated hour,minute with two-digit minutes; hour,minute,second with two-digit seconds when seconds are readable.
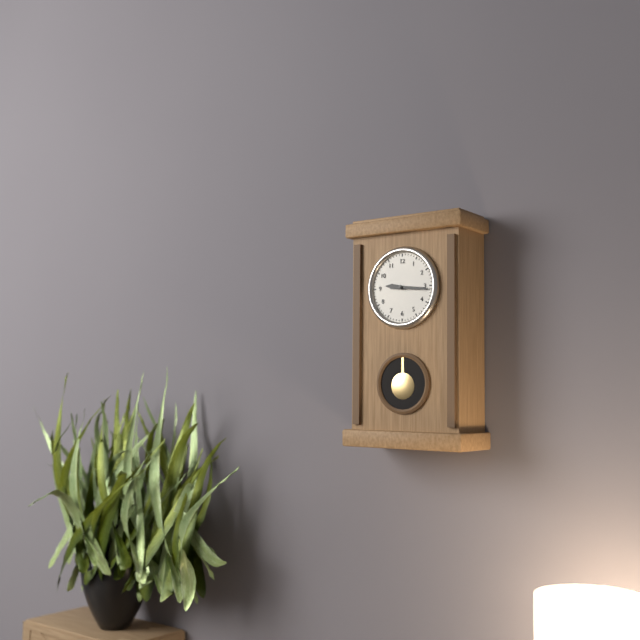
9,16
